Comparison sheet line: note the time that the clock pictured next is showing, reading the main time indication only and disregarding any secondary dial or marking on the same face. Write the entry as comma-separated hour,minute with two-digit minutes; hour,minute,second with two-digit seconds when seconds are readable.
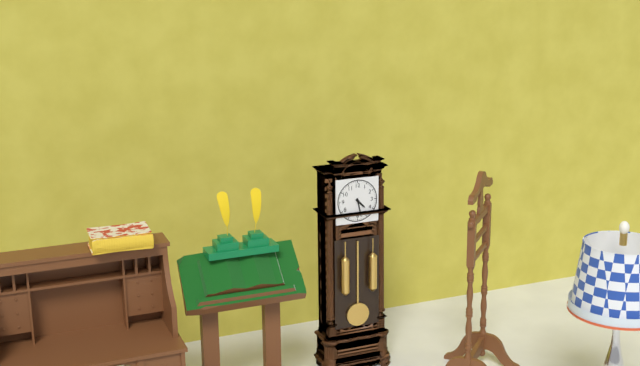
4,28
